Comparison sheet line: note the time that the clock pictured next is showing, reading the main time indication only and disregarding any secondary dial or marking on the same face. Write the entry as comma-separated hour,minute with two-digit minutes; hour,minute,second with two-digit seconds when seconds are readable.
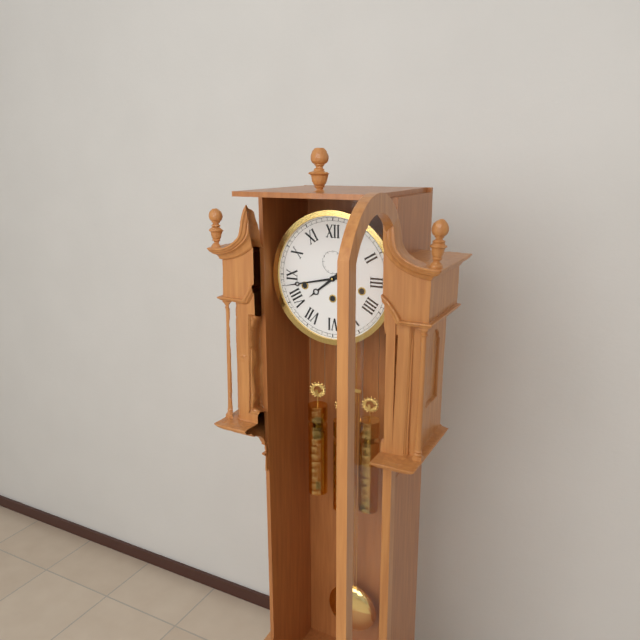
7,43
